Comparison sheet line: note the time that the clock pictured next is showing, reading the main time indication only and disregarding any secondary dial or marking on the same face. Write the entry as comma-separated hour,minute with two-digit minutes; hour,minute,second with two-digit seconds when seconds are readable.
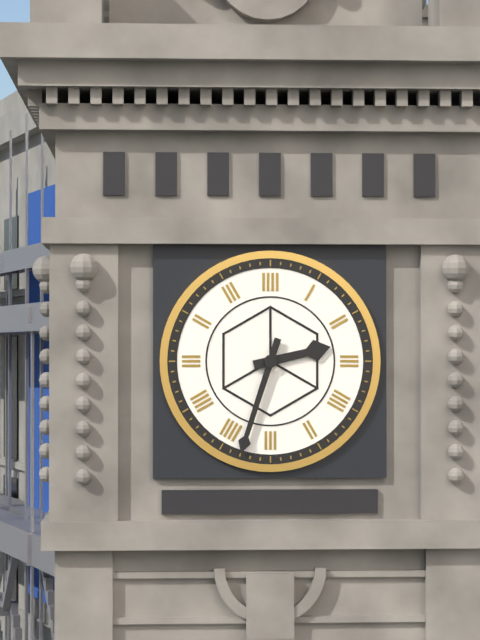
2,33
